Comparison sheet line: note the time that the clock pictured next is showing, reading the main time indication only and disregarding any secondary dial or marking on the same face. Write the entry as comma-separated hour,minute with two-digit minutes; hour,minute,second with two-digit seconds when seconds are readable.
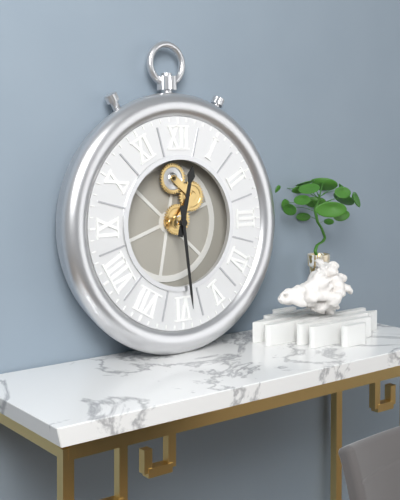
12,29
